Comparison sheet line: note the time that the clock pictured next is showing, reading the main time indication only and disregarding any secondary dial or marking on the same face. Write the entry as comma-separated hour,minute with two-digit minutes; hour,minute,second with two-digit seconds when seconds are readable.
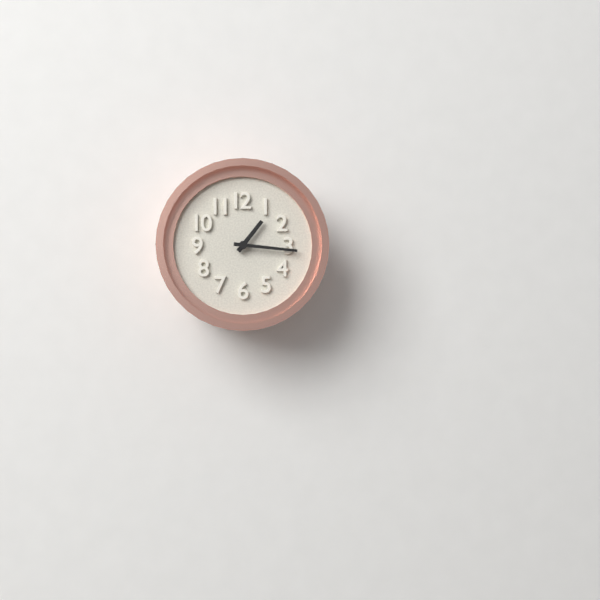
1,16
